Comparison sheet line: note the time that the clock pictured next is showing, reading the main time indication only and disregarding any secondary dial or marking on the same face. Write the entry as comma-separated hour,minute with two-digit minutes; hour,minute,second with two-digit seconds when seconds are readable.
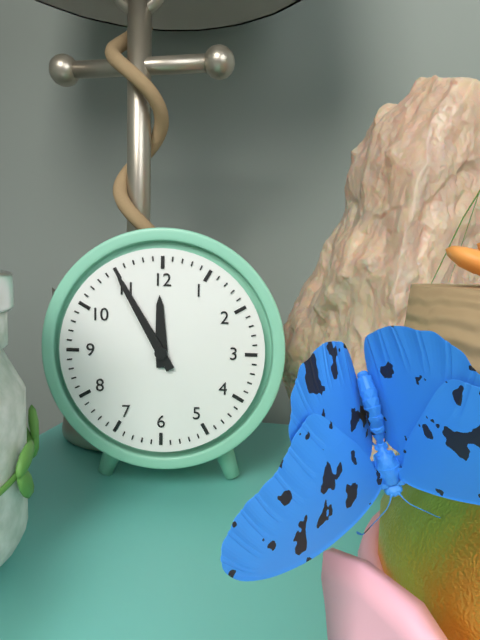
11,55
